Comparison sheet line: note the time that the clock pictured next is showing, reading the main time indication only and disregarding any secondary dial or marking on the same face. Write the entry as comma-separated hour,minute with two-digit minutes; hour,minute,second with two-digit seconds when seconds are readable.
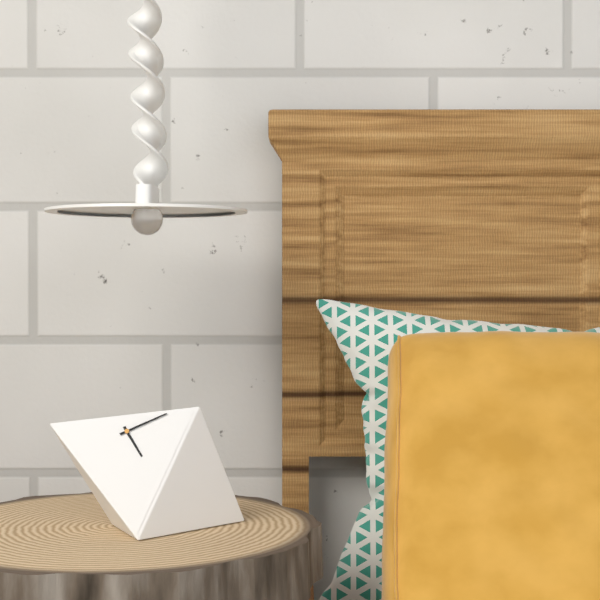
5,12
